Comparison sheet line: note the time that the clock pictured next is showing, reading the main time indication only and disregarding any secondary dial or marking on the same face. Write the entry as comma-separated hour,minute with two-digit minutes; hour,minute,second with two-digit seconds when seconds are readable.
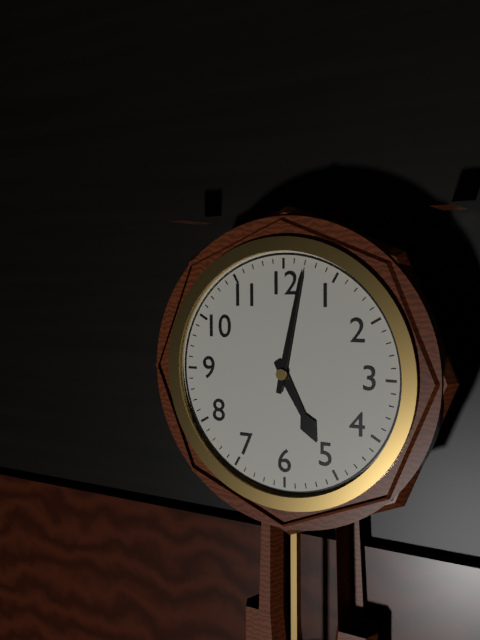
5,02
